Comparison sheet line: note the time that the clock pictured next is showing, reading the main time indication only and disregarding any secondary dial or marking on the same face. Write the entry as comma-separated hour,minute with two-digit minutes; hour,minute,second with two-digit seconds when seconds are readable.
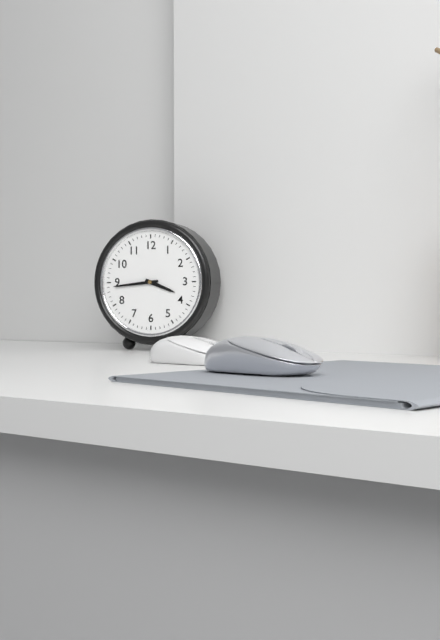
3,44
